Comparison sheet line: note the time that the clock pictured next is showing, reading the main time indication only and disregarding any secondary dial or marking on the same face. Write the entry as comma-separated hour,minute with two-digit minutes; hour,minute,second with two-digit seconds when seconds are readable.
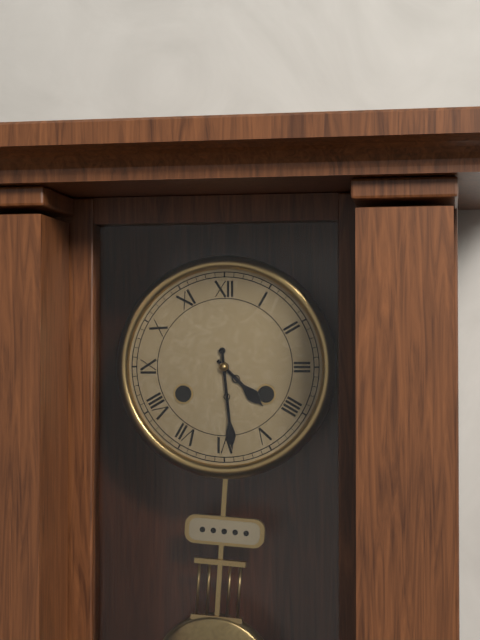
4,29
